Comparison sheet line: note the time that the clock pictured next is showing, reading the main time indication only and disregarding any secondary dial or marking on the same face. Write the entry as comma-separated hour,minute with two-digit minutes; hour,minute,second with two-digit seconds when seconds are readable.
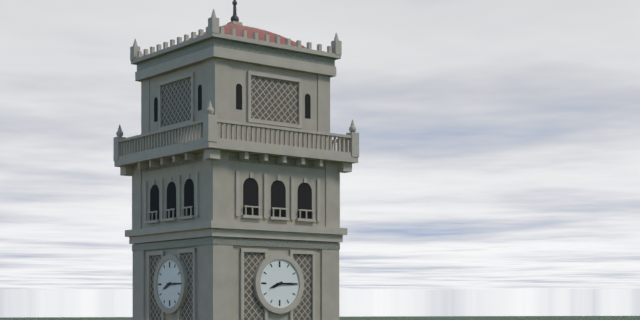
8,15
